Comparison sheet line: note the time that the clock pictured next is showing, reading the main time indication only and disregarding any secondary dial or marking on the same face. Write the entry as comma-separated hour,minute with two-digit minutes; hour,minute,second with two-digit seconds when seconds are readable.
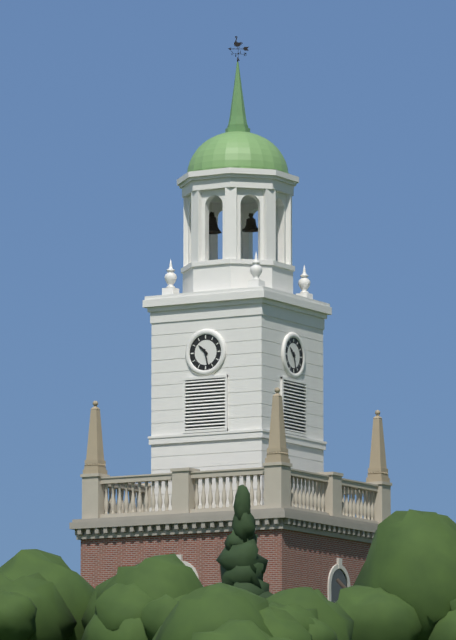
10,28
